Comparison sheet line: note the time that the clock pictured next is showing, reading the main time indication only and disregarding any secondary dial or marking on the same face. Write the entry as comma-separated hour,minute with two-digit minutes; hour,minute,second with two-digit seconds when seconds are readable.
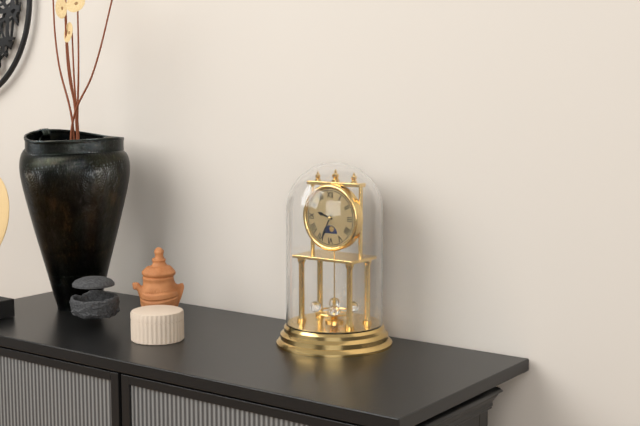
9,34
